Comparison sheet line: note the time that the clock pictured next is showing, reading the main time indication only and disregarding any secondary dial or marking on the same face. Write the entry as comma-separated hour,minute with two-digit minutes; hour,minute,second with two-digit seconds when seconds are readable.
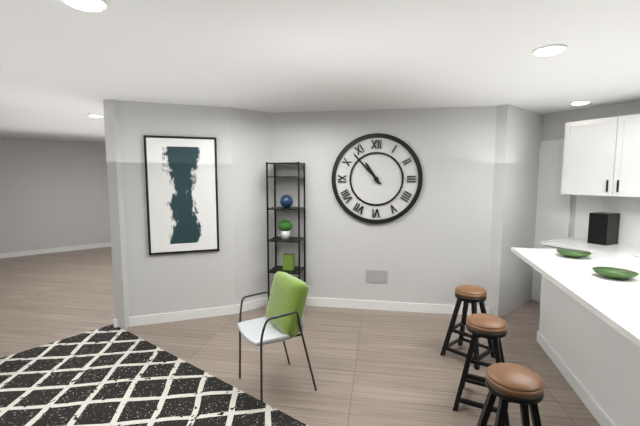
10,53
